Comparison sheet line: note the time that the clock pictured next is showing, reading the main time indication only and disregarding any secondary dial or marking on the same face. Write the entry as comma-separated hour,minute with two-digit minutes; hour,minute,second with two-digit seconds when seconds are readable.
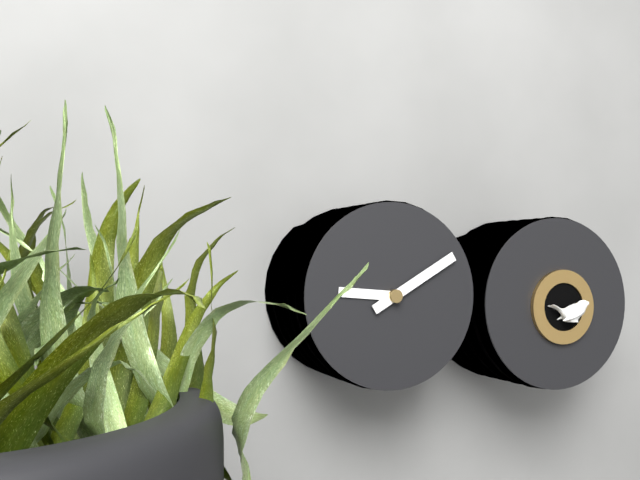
9,10
